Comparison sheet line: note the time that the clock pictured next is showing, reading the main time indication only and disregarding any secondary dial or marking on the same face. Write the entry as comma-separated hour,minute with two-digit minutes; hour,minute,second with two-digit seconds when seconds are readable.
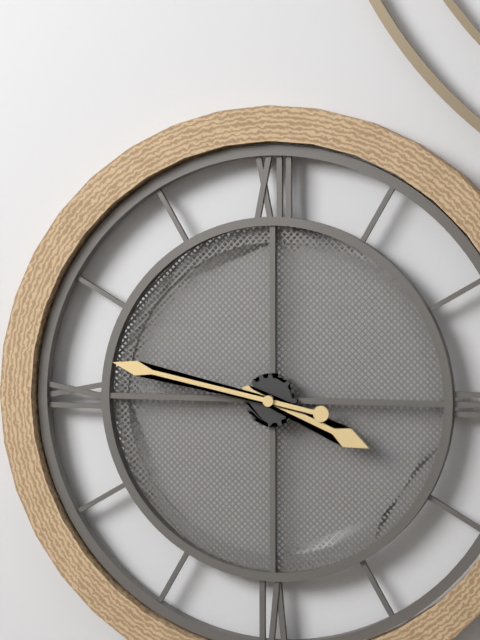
3,47
